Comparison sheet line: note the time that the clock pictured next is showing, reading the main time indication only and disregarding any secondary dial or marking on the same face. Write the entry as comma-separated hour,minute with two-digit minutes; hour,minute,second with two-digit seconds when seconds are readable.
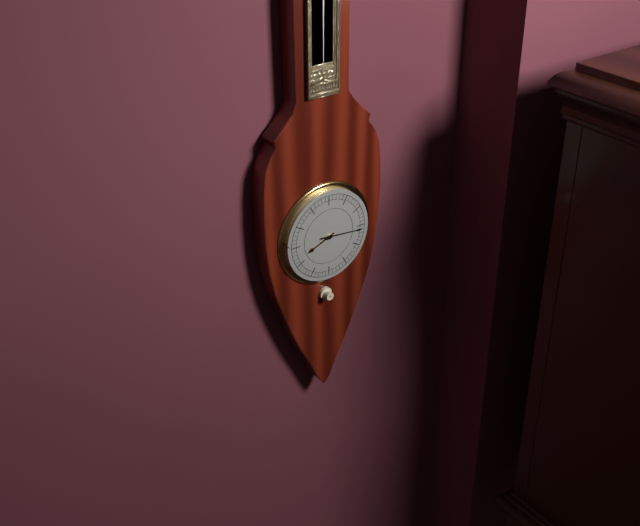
8,16
